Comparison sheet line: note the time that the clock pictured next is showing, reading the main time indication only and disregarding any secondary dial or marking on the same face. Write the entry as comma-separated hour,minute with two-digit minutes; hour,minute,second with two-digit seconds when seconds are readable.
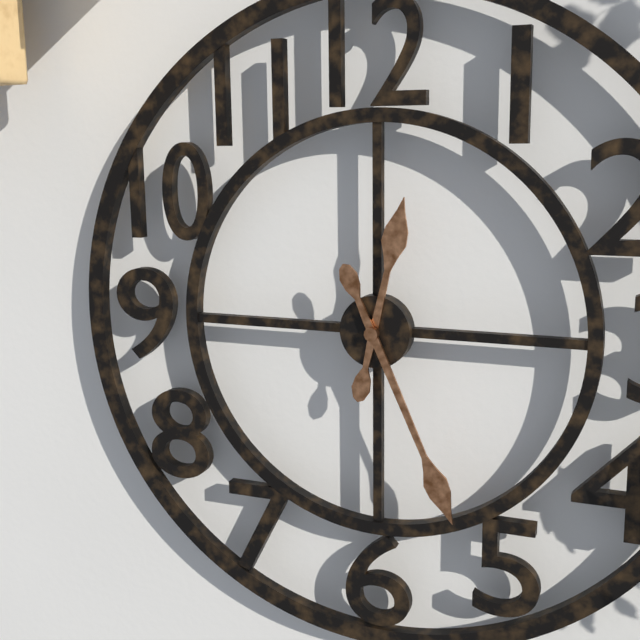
12,26
